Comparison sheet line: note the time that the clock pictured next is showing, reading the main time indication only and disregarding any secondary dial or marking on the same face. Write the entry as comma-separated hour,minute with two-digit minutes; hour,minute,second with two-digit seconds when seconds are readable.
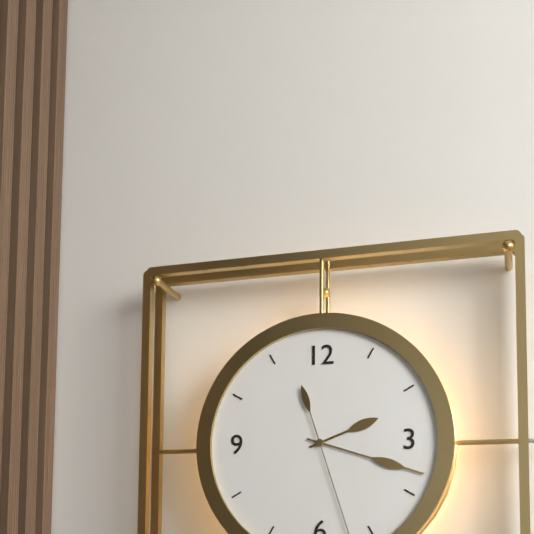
2,18
